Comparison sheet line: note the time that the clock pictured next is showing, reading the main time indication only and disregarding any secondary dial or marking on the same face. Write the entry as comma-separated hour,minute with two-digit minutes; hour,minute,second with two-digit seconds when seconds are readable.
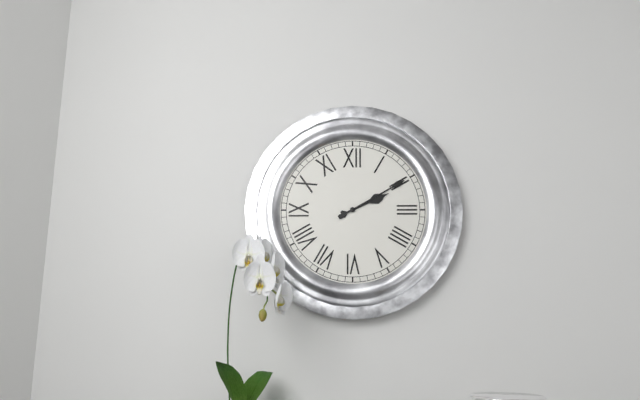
2,10
